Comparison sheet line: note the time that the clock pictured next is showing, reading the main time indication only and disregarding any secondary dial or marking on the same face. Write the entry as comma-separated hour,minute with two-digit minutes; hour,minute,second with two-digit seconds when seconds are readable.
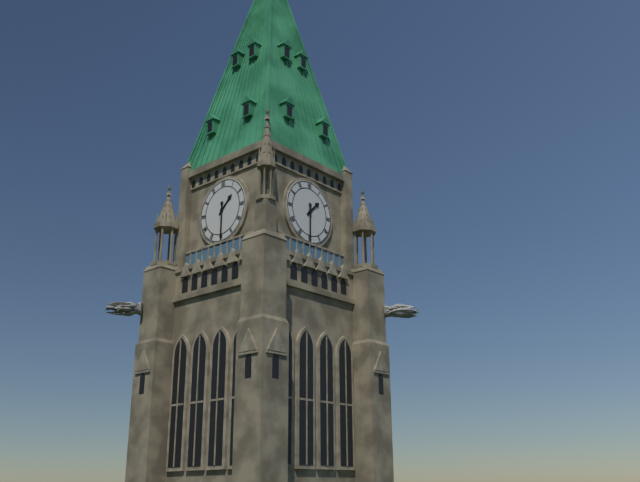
1,30
